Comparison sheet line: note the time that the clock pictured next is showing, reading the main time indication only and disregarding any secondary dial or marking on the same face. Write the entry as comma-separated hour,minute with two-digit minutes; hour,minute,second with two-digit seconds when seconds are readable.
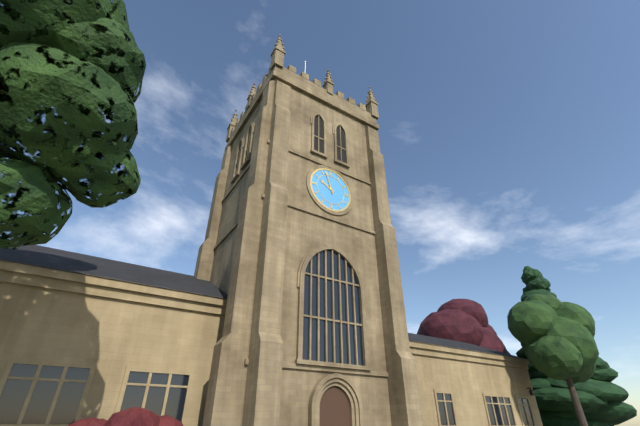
9,57
